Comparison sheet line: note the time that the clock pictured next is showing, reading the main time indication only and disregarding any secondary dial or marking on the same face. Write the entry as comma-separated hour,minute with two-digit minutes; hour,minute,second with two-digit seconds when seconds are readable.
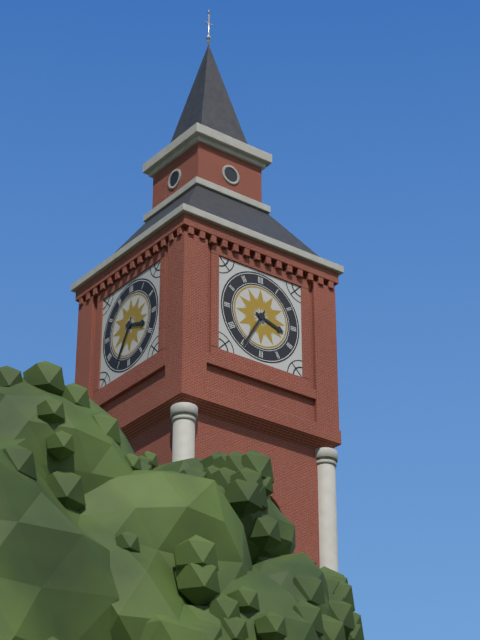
3,35
